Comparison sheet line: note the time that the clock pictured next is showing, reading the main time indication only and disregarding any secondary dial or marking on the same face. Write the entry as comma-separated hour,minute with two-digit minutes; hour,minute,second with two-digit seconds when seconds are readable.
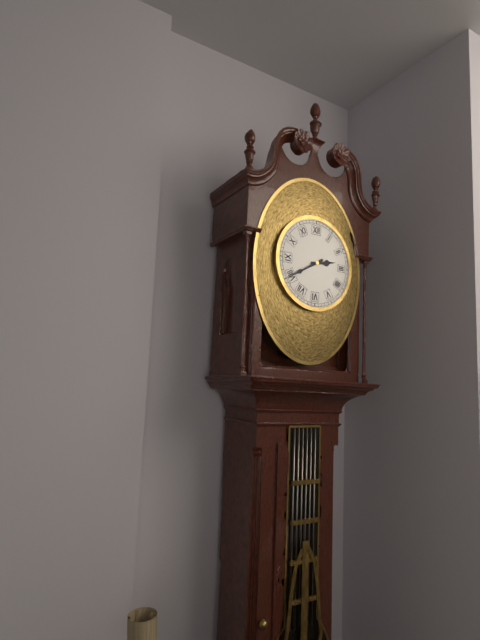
2,40
